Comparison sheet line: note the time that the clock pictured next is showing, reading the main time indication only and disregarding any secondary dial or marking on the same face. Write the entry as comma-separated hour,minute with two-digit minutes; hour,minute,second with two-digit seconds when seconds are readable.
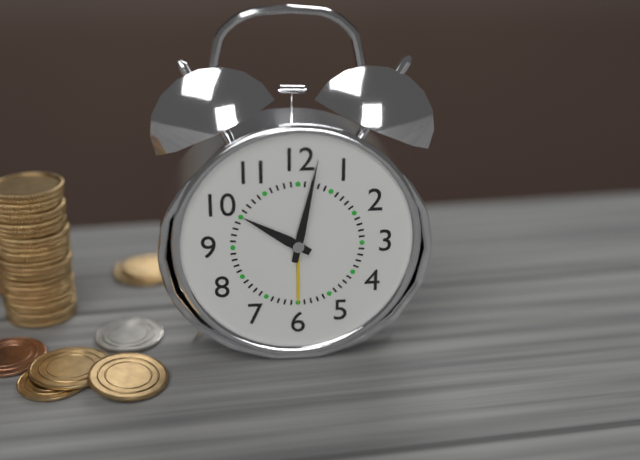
10,02
